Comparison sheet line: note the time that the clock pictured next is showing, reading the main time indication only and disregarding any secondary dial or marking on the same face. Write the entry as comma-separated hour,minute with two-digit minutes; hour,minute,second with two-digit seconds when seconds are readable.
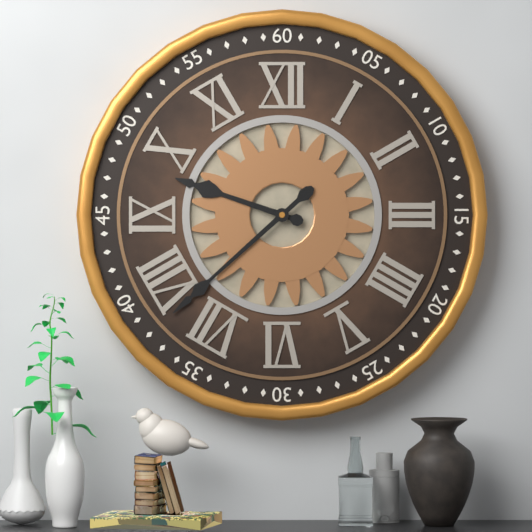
9,38
